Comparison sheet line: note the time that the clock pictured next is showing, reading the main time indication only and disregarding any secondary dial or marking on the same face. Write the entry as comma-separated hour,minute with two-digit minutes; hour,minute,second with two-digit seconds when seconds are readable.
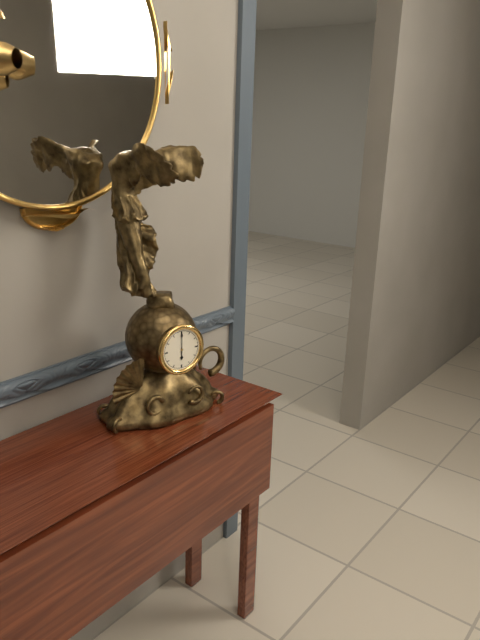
6,00
